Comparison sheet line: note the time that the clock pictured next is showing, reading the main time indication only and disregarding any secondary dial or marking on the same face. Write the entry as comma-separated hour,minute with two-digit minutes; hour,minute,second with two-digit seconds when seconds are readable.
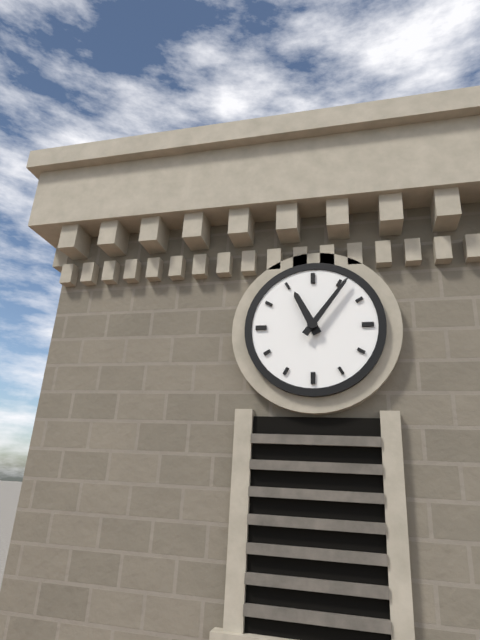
11,06
